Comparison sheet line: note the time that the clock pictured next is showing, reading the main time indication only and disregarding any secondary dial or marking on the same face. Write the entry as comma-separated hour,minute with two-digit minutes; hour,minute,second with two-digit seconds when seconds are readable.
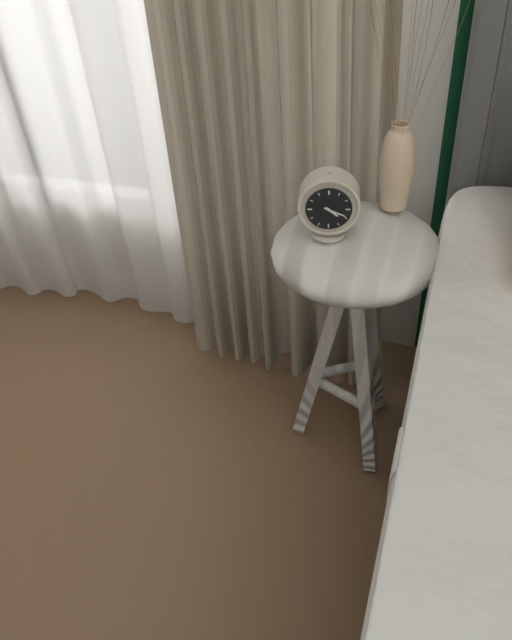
4,19
